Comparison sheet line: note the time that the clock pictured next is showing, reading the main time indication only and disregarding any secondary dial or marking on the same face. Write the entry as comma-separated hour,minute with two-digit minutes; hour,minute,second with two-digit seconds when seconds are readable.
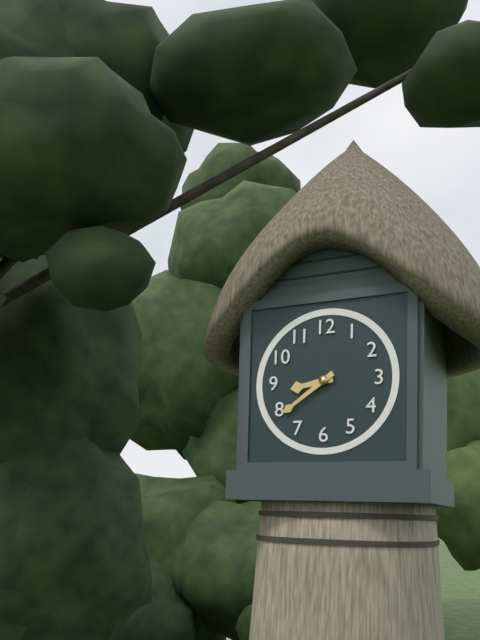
8,39
